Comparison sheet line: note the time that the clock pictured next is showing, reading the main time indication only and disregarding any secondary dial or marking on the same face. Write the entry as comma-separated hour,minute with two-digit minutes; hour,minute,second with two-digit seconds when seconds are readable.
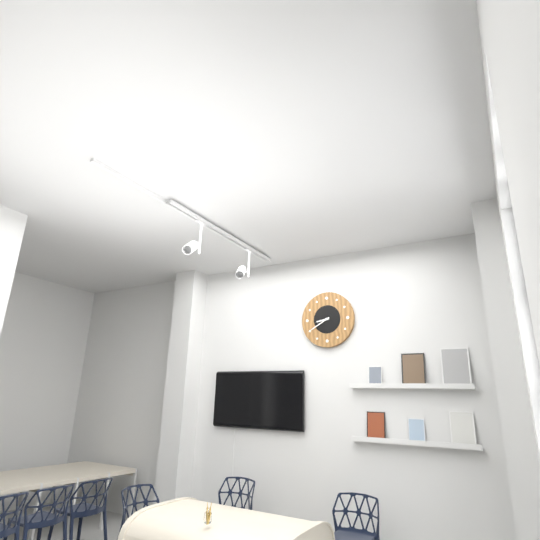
8,40
